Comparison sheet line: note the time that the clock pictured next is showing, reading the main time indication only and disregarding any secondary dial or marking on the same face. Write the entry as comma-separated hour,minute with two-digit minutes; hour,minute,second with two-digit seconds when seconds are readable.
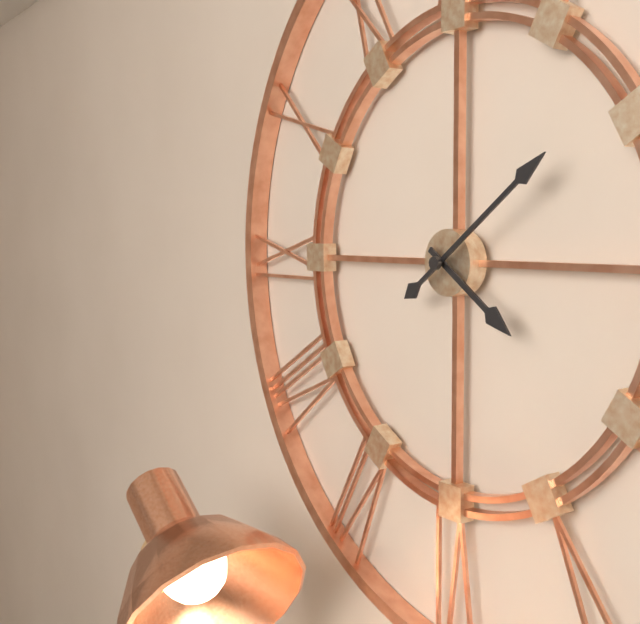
4,09
